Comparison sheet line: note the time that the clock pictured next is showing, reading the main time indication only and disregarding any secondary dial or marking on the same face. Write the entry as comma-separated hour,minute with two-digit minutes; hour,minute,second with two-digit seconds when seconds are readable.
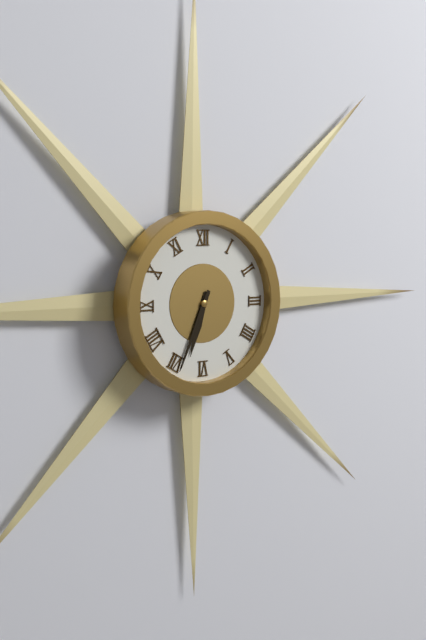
6,34
